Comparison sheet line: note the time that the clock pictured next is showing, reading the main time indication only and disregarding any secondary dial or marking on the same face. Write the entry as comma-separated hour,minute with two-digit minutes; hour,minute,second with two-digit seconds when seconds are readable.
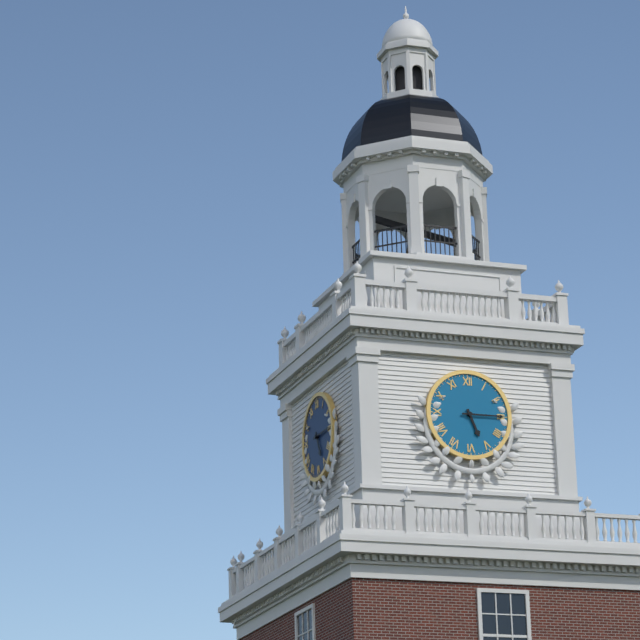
5,15
